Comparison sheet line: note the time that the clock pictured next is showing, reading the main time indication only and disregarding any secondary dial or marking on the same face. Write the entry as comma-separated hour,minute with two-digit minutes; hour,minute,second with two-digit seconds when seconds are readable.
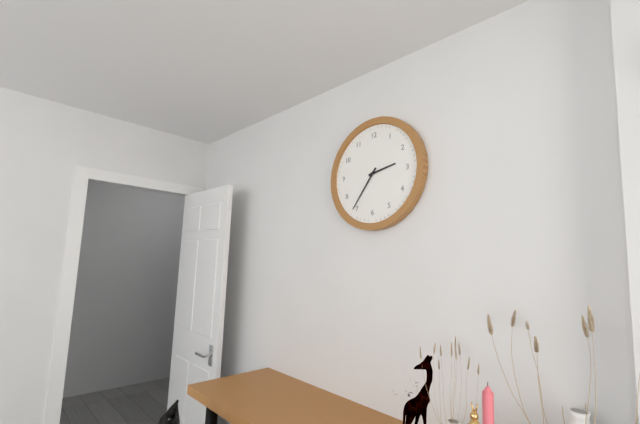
2,36
